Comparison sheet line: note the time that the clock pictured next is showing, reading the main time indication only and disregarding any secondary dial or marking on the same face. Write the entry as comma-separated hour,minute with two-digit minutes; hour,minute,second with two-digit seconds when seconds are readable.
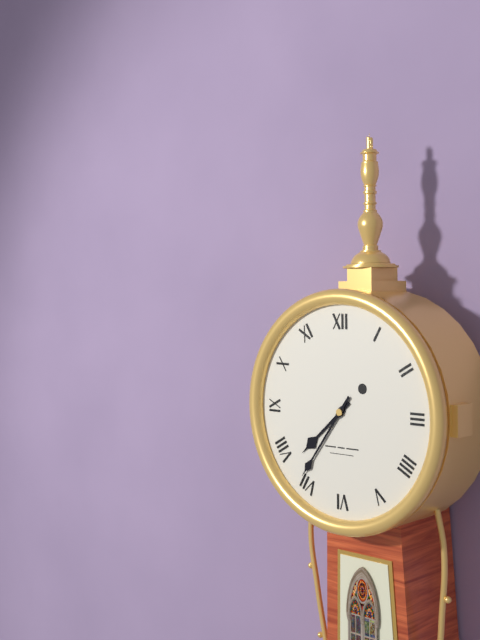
7,36
